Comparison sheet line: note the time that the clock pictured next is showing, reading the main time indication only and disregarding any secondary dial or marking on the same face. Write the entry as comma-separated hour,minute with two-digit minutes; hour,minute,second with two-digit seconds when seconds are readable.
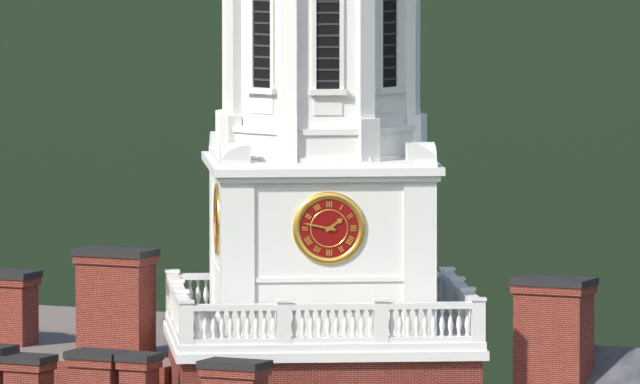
1,47
